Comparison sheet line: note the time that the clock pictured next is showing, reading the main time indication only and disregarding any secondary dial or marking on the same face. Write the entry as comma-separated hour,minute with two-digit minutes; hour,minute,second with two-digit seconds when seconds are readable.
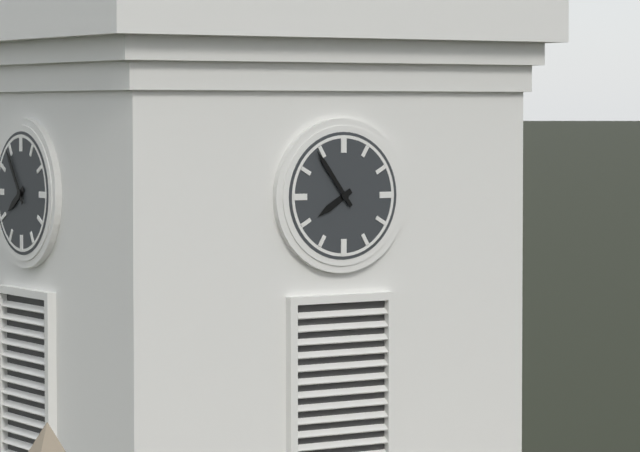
7,54
